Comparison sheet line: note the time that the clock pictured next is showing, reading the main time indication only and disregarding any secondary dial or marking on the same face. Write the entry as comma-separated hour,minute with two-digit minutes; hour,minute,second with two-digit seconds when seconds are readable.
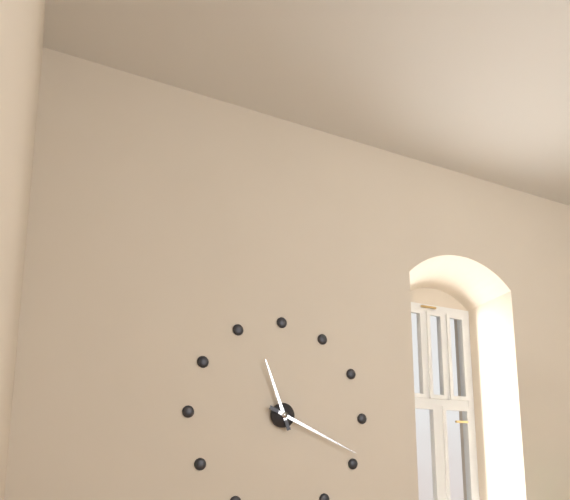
11,19
